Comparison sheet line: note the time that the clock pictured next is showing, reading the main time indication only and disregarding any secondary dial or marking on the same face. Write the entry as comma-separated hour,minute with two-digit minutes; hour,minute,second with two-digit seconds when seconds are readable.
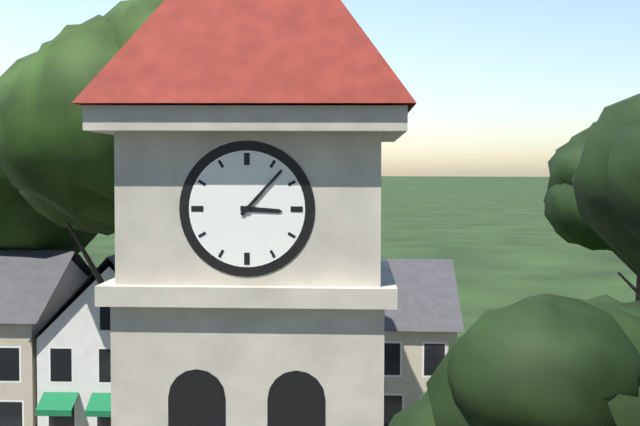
3,07
